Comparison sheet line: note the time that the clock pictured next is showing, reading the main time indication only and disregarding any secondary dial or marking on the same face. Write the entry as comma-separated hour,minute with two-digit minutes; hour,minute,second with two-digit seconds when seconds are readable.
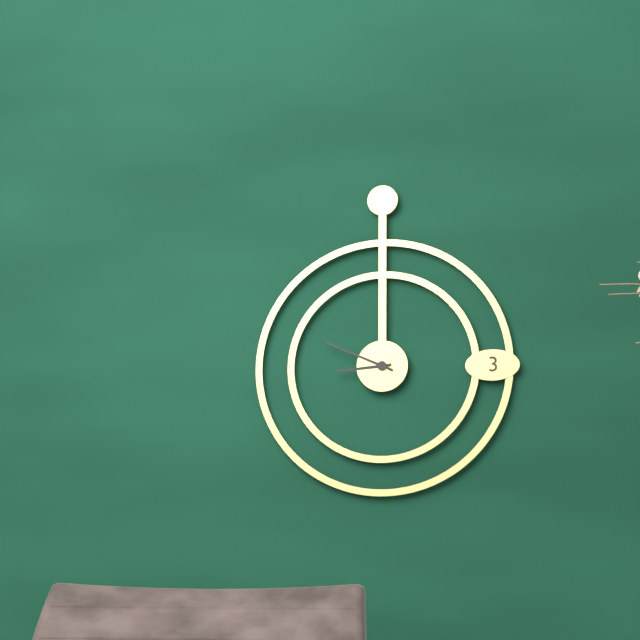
8,49
